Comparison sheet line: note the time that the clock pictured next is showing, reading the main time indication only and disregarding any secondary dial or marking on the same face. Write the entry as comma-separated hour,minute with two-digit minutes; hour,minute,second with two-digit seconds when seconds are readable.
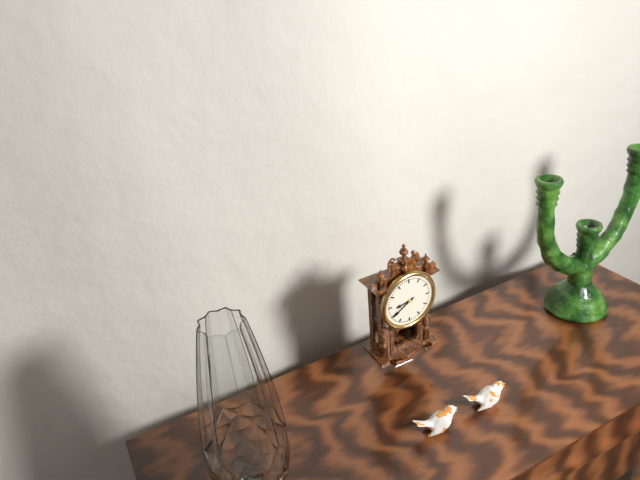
8,40
